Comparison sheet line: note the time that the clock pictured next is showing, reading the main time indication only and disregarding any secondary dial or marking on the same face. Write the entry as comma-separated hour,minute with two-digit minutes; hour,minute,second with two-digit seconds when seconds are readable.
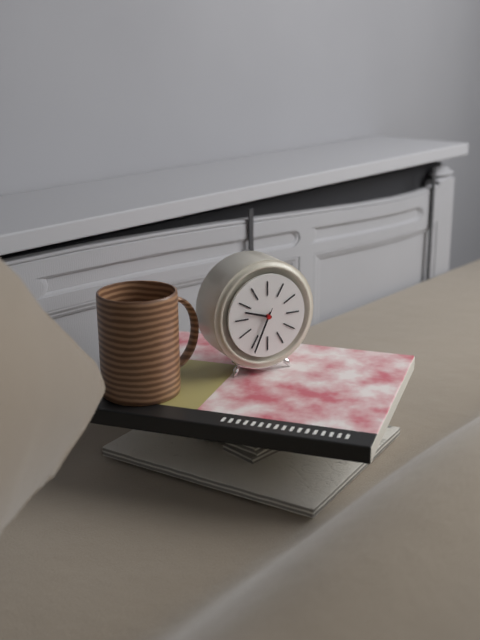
9,34
